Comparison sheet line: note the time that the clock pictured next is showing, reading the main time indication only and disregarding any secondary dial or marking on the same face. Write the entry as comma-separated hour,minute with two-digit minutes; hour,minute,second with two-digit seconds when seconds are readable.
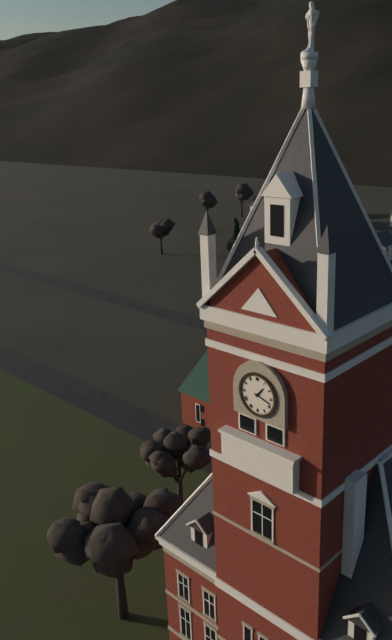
1,18
